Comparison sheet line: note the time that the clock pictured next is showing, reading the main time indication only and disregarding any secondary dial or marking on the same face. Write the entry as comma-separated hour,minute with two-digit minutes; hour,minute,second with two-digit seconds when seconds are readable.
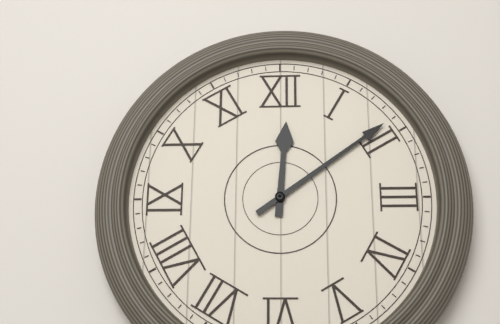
12,09
